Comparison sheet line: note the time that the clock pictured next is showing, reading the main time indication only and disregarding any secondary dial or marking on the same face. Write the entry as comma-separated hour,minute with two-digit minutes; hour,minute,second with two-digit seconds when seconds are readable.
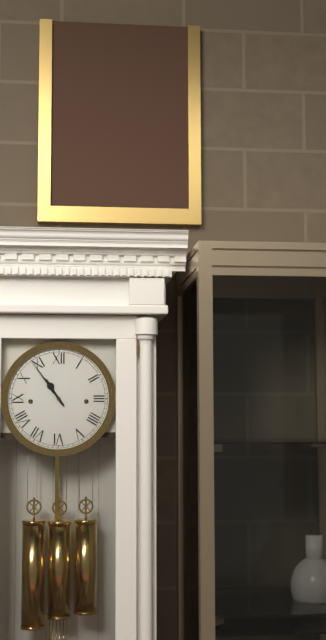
10,54
